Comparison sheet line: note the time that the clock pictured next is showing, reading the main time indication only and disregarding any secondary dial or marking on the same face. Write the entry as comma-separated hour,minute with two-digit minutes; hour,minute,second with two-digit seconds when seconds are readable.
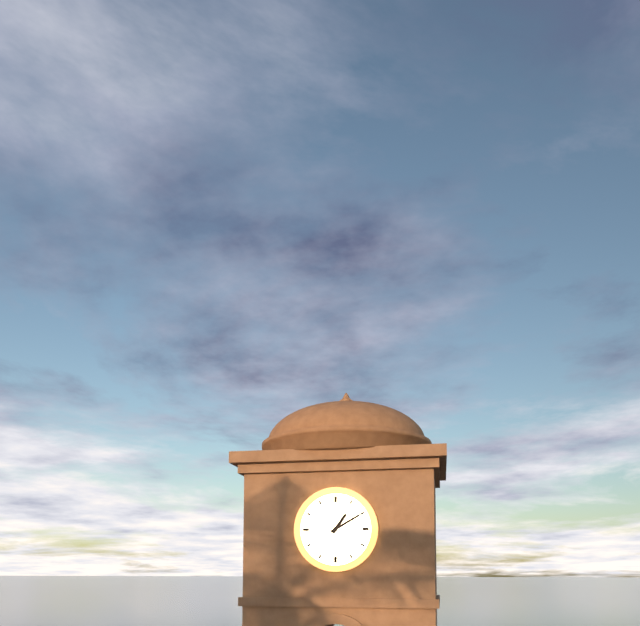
1,10
